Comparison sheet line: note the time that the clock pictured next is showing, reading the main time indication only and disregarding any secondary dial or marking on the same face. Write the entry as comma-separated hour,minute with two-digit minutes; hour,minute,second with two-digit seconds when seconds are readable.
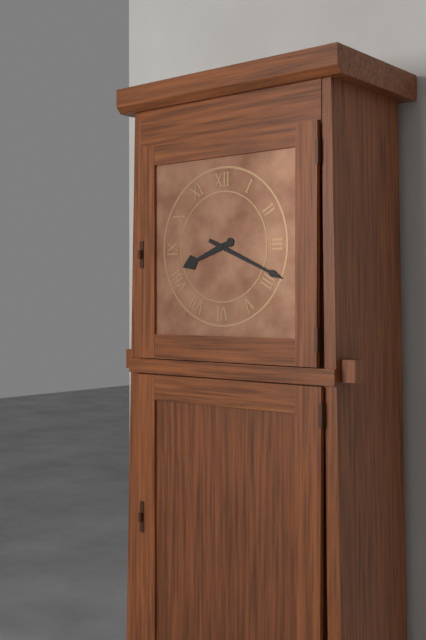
8,19
